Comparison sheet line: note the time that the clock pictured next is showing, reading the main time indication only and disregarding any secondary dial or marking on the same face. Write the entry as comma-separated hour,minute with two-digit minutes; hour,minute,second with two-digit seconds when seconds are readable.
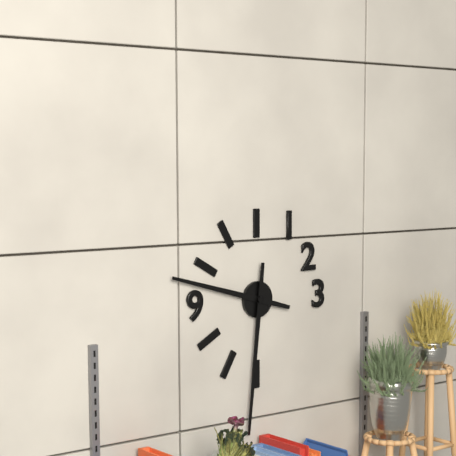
9,31
